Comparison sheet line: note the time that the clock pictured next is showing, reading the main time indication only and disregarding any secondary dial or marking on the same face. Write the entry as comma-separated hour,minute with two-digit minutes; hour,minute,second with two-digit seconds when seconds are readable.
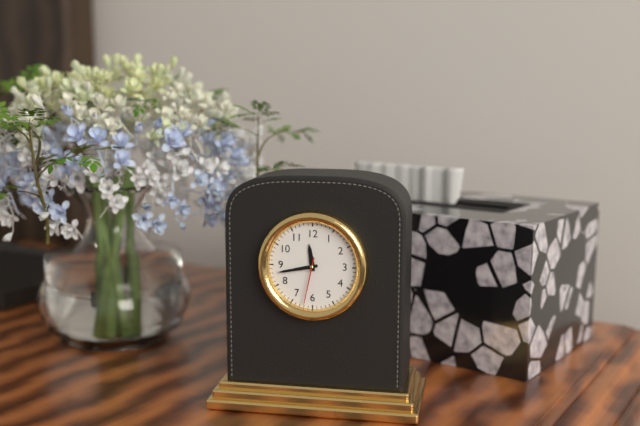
11,43
